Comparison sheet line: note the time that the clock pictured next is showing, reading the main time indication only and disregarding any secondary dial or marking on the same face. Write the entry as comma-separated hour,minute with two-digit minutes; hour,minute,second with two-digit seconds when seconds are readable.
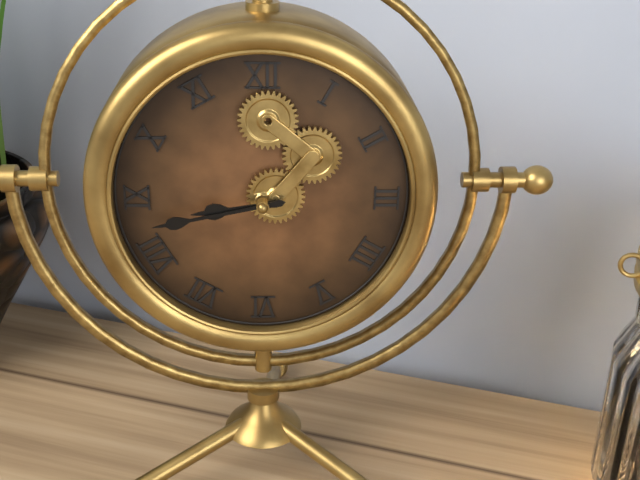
8,43
